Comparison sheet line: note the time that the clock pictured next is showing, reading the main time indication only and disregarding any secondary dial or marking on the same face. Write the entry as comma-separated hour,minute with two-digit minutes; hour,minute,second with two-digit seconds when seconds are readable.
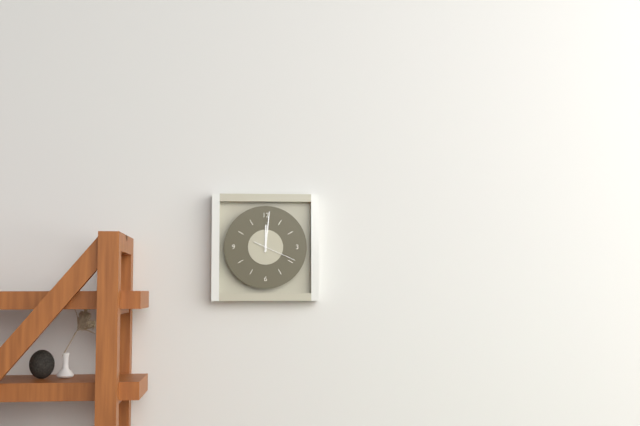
12,01
